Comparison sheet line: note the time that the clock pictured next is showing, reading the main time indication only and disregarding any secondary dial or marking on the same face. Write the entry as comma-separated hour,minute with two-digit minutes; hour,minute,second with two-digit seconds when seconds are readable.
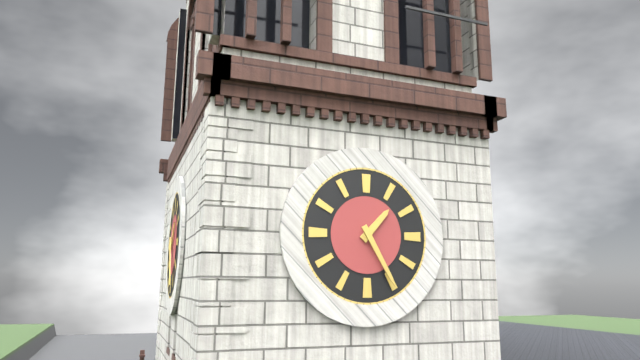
1,25
